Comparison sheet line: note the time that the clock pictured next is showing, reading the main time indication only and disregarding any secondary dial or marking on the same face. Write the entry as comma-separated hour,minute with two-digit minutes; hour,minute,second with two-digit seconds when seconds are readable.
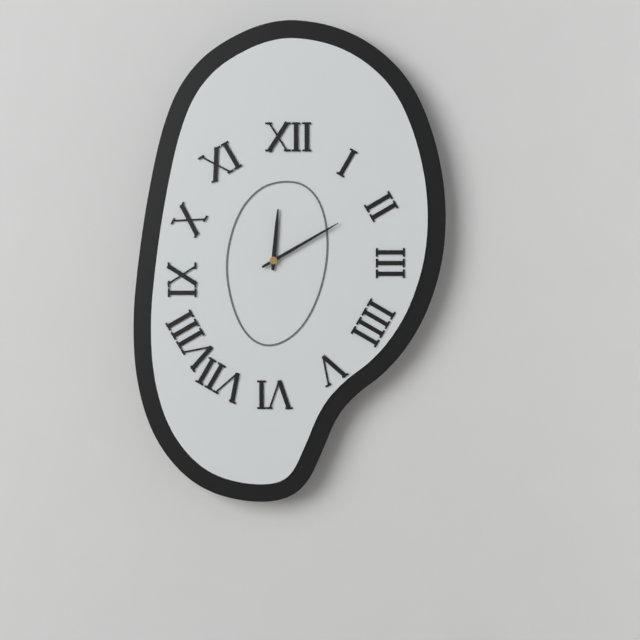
12,10
